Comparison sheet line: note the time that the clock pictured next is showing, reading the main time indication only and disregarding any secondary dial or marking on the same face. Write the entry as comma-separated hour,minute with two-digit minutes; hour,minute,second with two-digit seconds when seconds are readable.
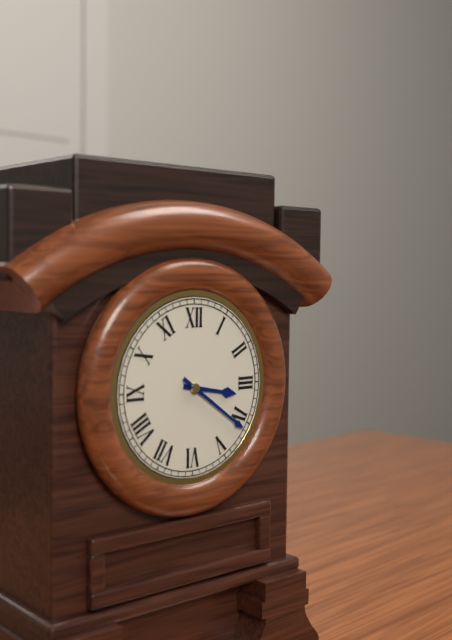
3,21
